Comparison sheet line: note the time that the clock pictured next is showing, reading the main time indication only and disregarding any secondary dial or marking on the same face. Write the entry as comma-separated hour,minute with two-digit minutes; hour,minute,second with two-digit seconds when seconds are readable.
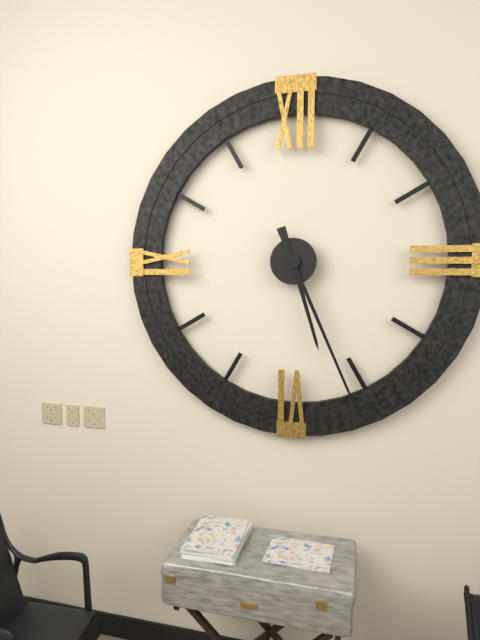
5,26
